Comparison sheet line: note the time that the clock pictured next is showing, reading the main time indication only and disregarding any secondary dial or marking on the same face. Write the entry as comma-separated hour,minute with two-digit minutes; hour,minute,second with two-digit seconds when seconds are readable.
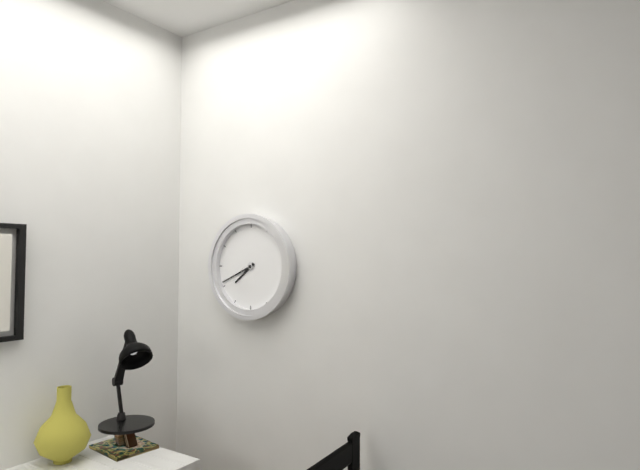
7,41
